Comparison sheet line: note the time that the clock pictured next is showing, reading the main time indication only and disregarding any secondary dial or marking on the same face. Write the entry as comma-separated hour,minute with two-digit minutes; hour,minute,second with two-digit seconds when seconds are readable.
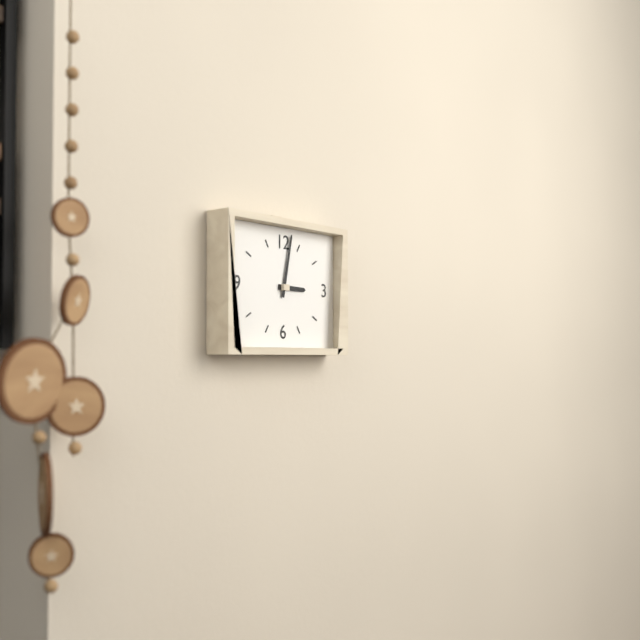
3,02
